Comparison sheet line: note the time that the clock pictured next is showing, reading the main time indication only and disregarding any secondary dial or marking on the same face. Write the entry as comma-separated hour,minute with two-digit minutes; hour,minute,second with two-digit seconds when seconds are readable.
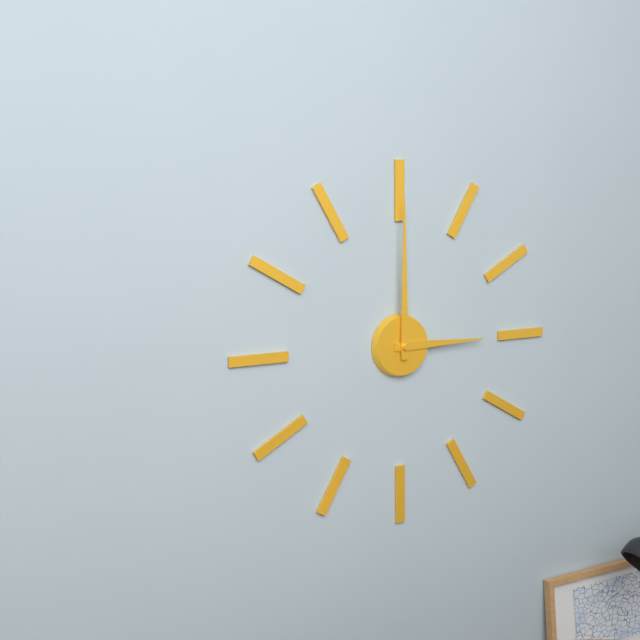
3,00
